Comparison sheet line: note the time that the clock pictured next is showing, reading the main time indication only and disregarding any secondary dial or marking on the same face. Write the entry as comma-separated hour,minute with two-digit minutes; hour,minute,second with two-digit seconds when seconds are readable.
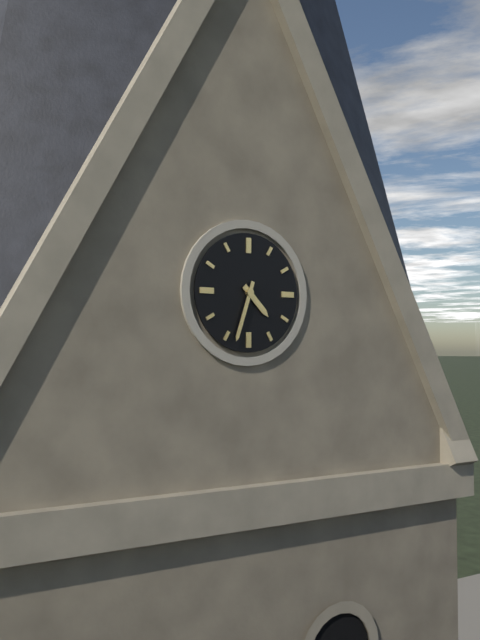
4,33
